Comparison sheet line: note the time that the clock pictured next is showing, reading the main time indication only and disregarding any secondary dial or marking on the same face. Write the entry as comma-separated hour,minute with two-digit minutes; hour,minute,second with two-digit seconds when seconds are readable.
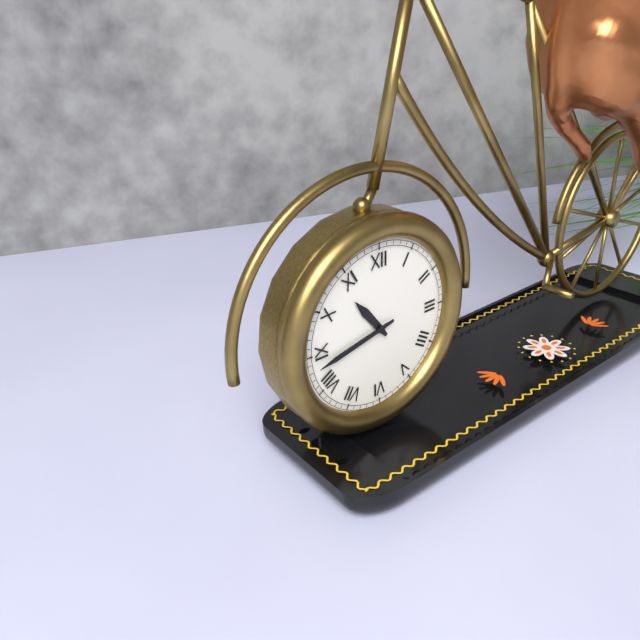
10,43
